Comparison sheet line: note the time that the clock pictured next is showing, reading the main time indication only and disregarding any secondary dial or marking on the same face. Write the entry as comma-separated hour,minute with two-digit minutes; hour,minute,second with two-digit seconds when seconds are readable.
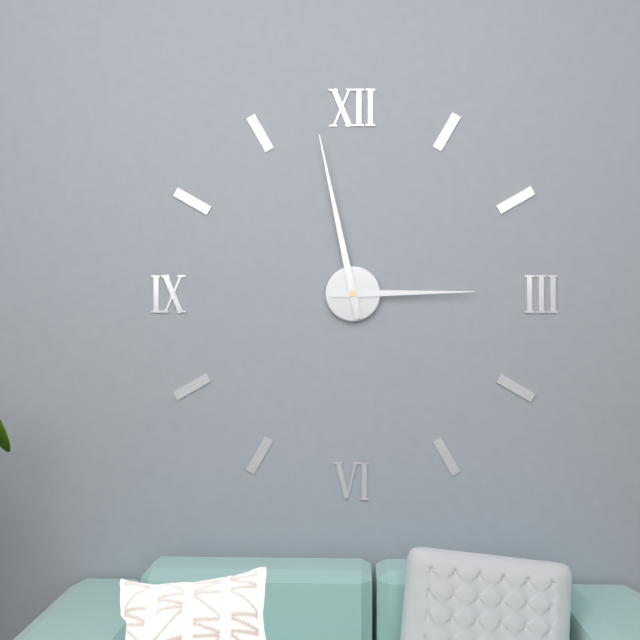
2,58
